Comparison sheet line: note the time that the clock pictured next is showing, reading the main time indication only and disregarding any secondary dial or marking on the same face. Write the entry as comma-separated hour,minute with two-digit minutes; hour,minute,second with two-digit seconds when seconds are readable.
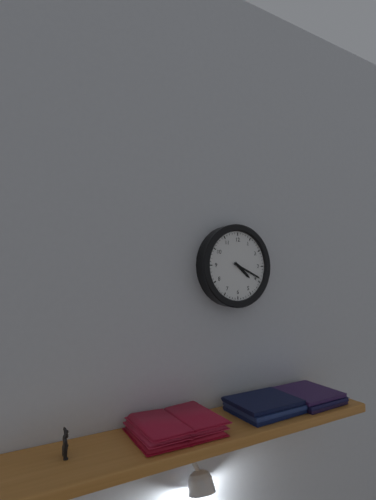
4,19
